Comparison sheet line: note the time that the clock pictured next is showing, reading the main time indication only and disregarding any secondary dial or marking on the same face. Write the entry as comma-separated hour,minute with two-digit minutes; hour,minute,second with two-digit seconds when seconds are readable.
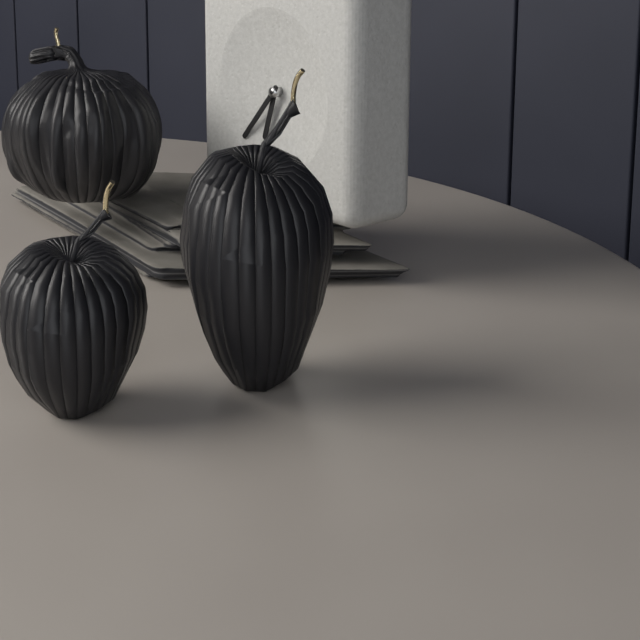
6,37
